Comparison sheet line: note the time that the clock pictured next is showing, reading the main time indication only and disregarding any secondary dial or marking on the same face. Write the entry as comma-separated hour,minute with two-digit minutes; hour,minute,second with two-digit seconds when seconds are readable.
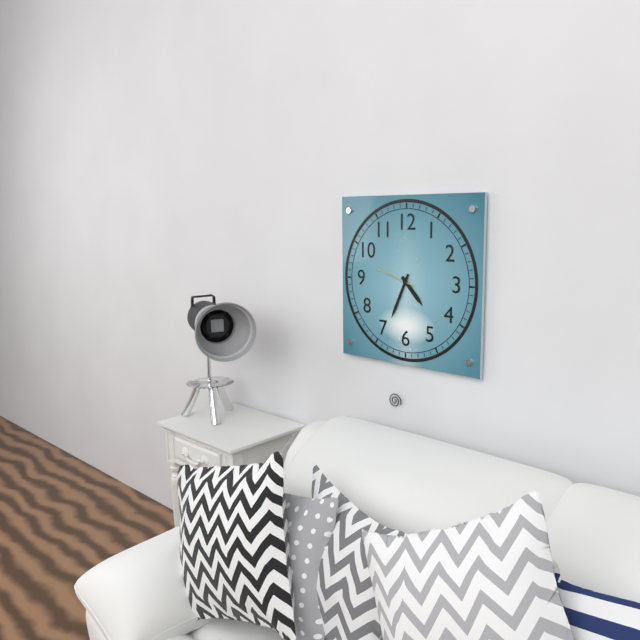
4,34
